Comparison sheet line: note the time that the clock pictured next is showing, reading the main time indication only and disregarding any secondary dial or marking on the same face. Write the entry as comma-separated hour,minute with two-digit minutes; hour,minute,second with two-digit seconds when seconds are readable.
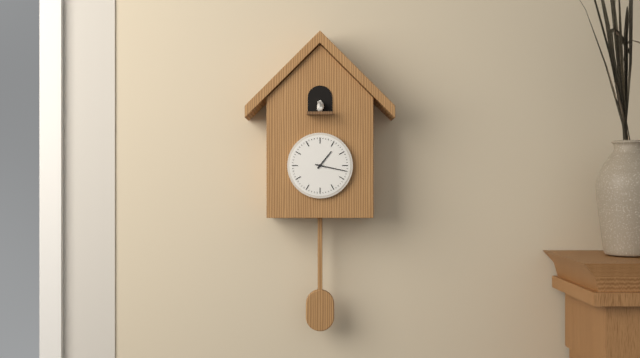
1,17
